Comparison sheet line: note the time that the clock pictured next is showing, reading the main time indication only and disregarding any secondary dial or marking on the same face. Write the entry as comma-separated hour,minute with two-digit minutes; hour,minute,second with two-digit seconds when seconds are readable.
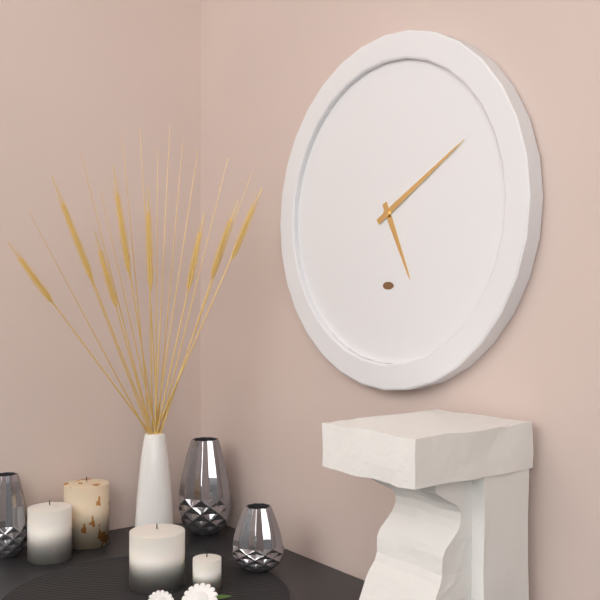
5,10
